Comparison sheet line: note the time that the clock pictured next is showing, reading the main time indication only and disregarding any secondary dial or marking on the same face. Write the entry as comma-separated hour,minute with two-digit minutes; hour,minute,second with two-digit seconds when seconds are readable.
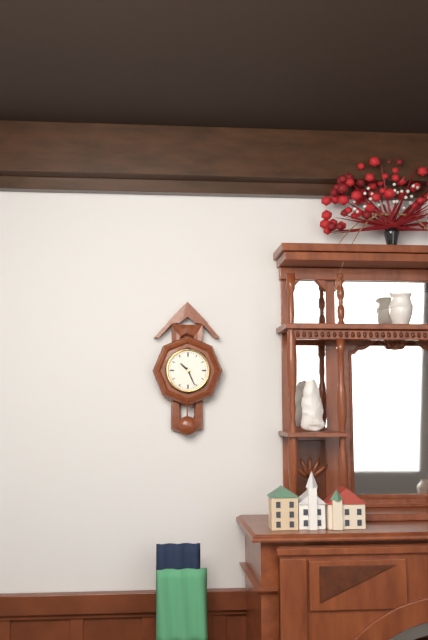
10,26
